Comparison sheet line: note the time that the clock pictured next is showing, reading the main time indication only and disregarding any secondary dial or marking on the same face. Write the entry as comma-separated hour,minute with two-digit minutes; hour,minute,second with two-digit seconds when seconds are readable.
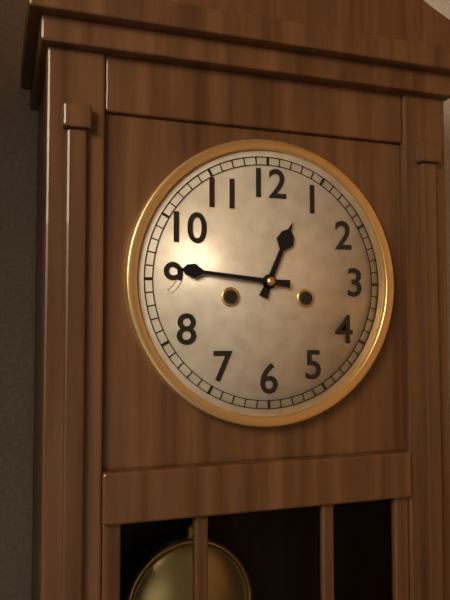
12,46
